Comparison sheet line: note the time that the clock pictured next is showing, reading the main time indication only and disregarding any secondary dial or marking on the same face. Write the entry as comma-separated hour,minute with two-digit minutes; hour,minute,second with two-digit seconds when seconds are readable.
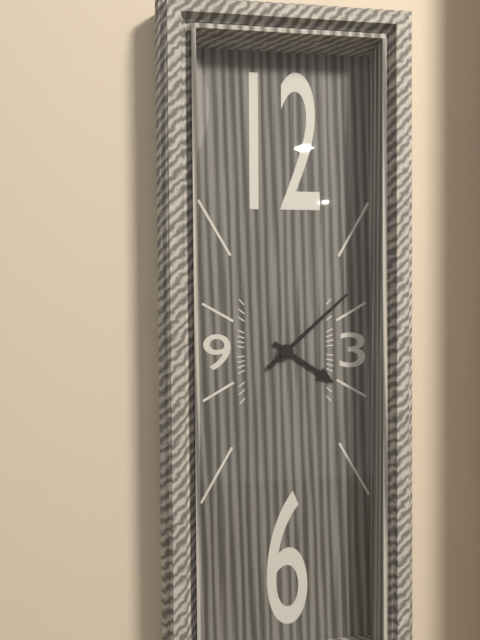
4,08
